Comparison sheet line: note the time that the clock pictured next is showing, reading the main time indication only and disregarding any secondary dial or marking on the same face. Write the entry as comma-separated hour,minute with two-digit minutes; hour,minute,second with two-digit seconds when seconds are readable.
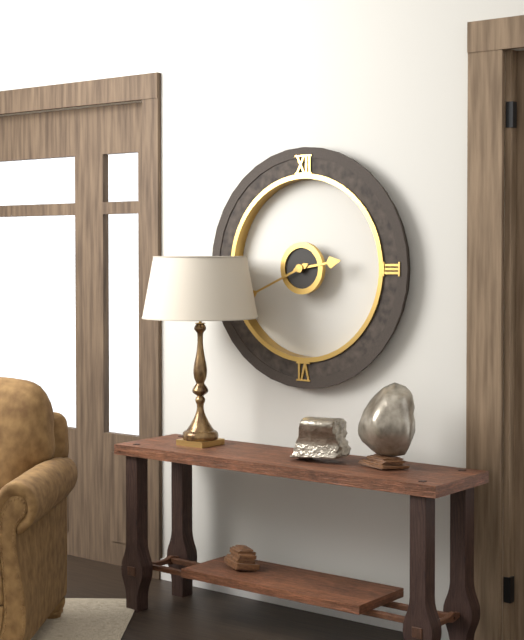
2,41
